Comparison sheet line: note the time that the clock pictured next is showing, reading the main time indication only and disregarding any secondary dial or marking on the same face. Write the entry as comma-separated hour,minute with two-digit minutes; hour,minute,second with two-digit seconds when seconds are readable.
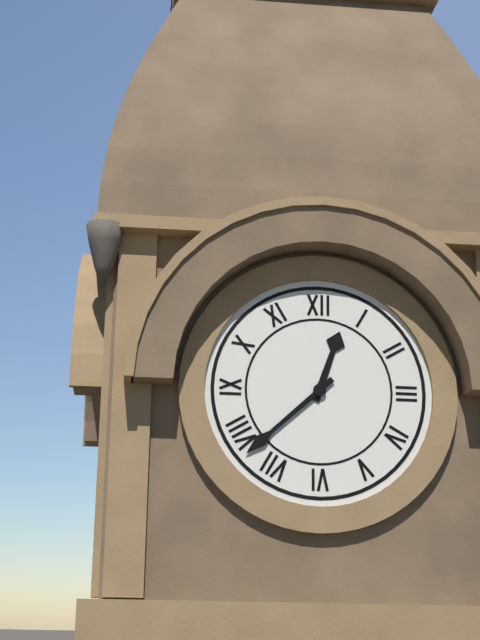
12,38
